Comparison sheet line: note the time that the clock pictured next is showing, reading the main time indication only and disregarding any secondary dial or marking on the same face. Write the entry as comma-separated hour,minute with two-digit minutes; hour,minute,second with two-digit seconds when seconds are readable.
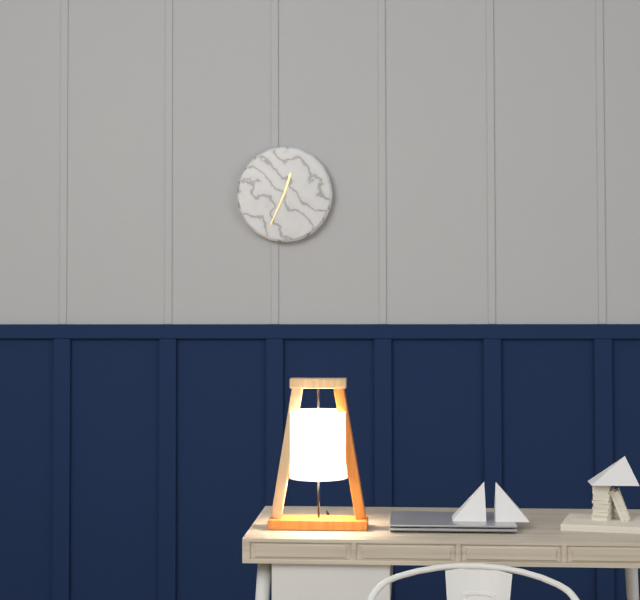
12,34
